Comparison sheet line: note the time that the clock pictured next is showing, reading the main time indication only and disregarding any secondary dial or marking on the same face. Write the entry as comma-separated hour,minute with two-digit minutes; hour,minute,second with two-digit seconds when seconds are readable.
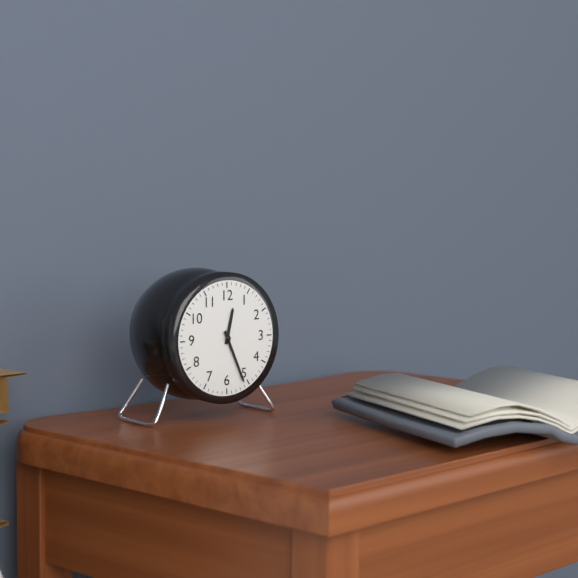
12,26
